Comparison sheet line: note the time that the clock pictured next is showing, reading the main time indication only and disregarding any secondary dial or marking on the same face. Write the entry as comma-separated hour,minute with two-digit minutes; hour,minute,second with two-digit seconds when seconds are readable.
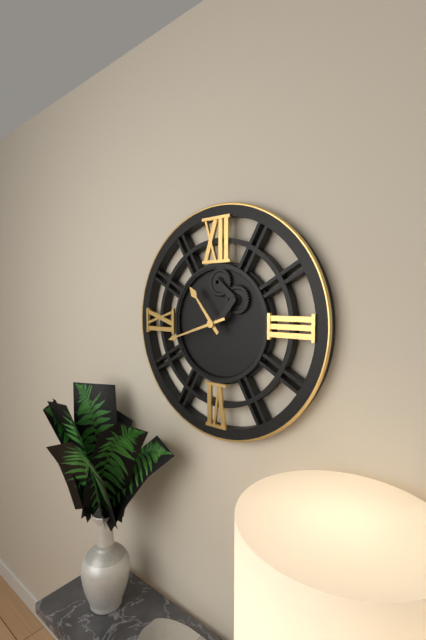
10,42
